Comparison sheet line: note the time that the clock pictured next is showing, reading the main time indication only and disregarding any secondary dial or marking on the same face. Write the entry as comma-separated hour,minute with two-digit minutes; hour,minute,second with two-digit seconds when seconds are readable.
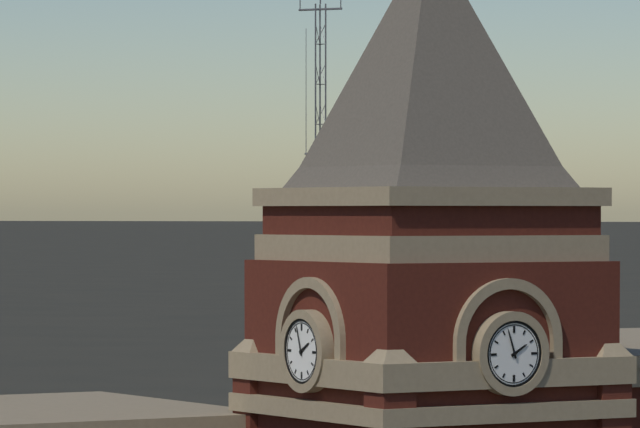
1,57
